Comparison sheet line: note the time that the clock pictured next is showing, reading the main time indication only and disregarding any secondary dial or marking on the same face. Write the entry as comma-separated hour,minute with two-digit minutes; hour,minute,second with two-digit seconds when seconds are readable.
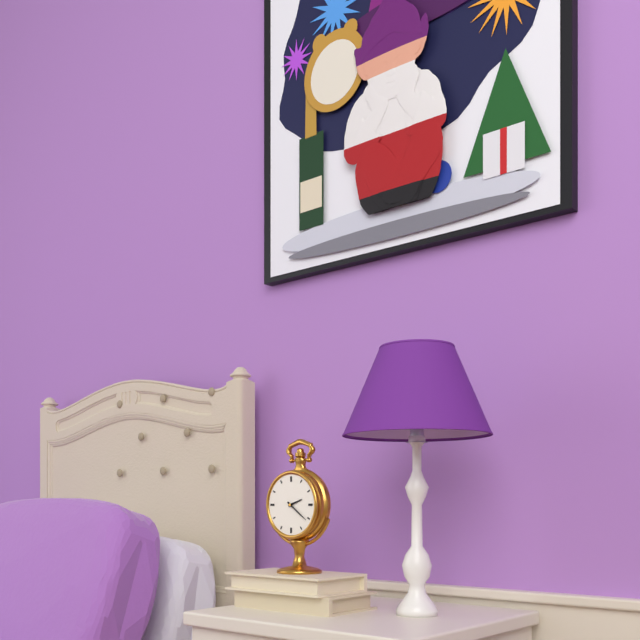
2,21
